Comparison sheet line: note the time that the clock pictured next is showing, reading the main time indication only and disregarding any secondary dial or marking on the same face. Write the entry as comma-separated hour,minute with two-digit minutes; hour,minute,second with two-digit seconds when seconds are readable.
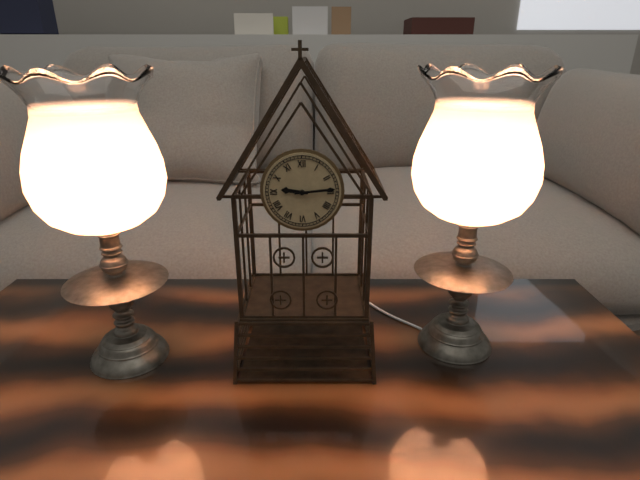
9,14
